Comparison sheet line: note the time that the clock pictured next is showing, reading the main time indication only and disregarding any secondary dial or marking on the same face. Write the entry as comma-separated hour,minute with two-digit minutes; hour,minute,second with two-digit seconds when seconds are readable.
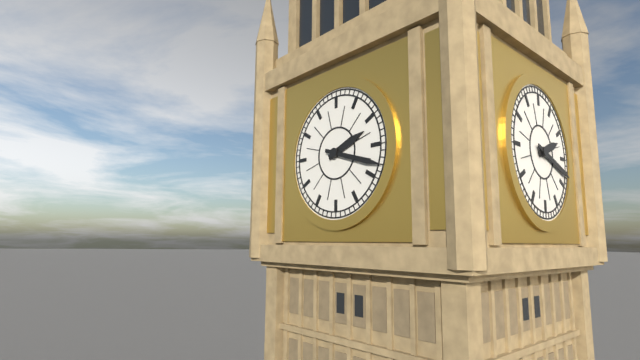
2,18
